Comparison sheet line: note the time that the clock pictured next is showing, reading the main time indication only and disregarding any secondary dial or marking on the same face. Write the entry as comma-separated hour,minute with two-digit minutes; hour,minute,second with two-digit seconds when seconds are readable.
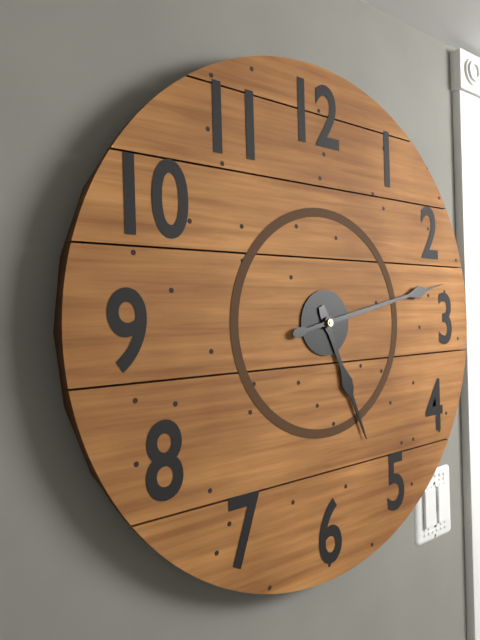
5,13
